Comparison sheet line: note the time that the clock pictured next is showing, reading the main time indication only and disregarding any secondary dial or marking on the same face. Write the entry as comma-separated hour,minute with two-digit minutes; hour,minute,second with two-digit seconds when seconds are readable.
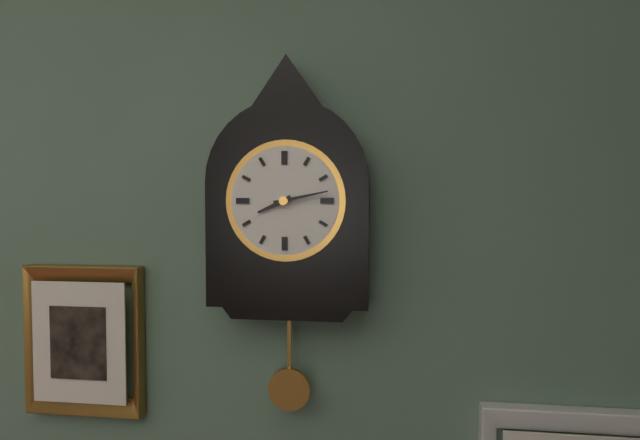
8,13
